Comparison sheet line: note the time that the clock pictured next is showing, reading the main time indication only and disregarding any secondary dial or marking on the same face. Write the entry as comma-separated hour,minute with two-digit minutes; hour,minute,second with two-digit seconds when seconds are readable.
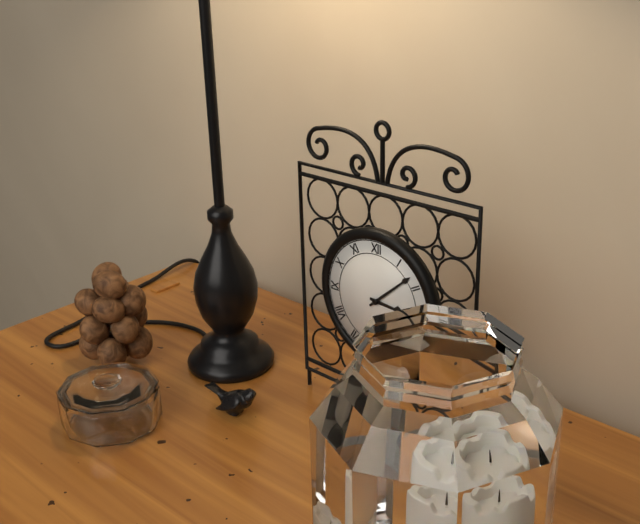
3,08
